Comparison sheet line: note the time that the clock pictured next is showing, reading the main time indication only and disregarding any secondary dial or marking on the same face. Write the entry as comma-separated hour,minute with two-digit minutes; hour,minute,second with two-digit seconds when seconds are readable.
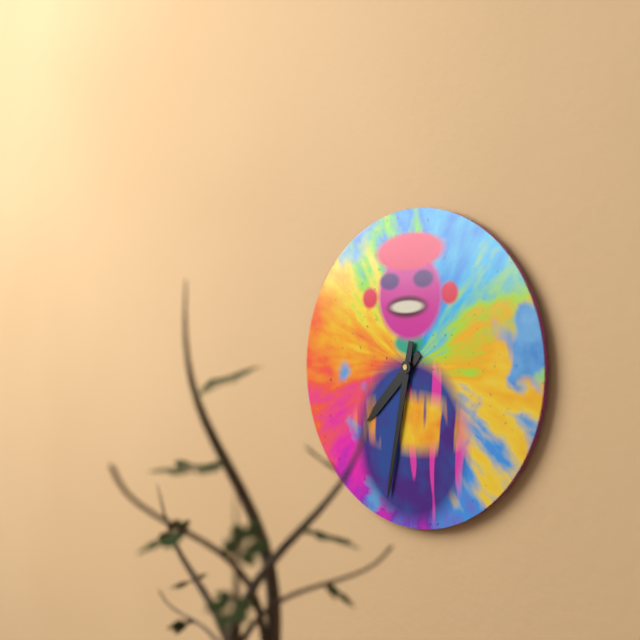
7,32
